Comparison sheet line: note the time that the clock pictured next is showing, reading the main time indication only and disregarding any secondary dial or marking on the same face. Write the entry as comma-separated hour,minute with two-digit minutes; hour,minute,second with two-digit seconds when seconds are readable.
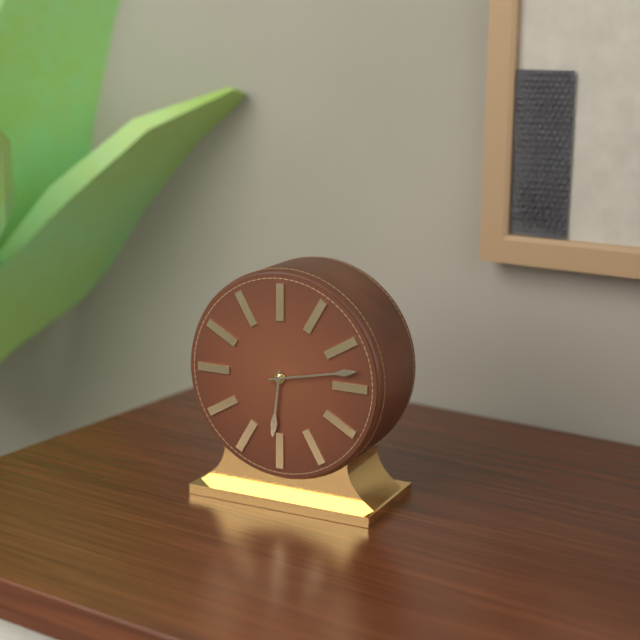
6,13
